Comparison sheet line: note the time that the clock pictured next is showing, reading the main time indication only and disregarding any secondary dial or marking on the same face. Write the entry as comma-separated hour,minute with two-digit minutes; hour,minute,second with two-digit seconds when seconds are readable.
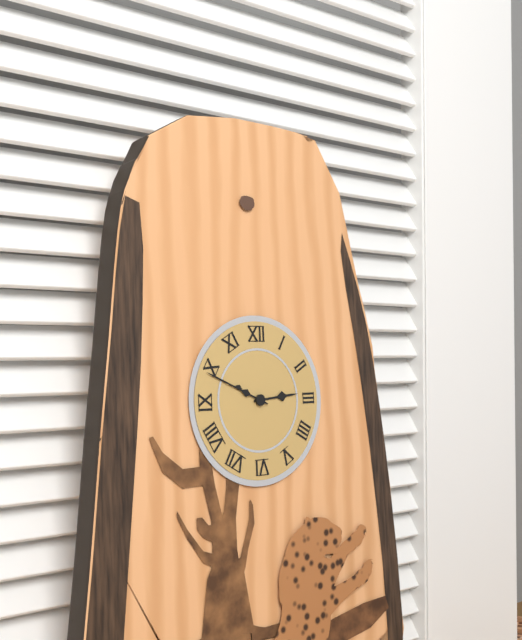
2,49
